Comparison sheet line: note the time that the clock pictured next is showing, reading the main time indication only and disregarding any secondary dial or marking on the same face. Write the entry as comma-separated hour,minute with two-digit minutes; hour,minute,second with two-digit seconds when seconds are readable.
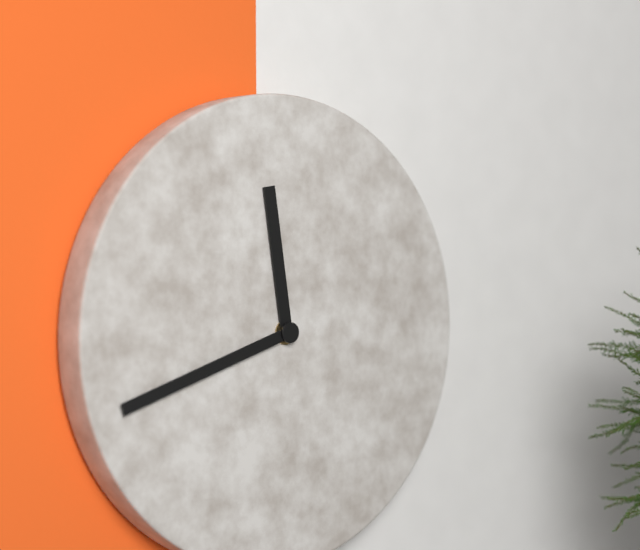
11,42
